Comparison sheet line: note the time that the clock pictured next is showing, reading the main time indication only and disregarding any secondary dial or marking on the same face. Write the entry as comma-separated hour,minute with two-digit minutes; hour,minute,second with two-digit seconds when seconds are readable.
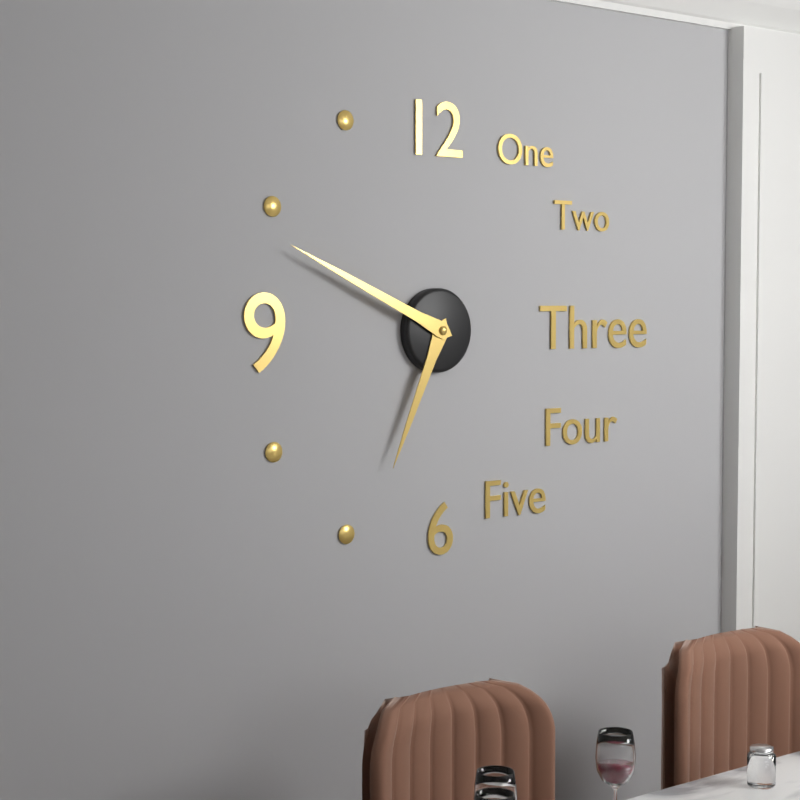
6,49
